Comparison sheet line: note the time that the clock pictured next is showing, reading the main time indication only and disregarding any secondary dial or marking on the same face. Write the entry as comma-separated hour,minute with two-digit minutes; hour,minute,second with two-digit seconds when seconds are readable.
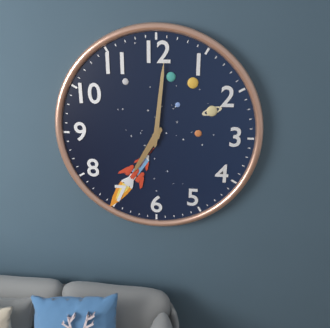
7,01
